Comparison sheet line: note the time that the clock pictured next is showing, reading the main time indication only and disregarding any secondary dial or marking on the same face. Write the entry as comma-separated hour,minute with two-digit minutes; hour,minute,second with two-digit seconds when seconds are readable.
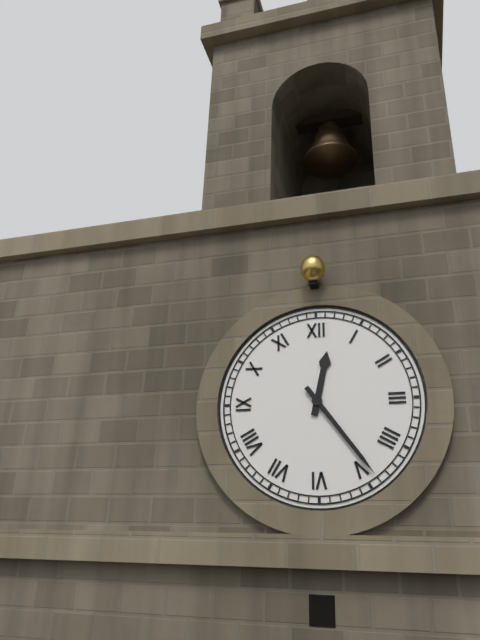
12,24
